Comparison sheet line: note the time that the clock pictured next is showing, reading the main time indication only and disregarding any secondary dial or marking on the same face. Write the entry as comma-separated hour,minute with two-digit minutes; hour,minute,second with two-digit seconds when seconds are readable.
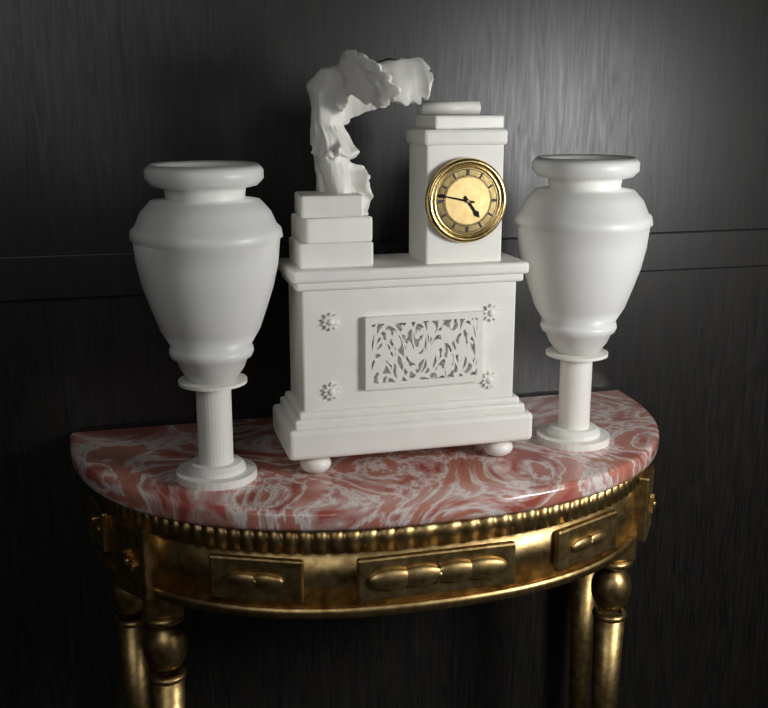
4,47
